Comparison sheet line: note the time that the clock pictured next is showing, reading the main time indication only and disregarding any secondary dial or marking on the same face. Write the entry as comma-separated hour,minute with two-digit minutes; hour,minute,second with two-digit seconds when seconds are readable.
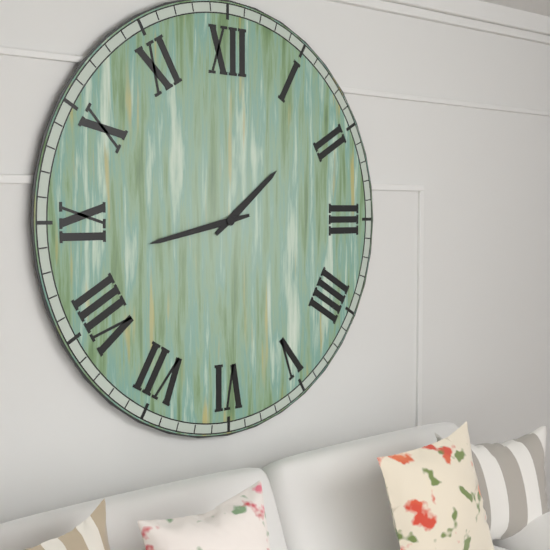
1,43
